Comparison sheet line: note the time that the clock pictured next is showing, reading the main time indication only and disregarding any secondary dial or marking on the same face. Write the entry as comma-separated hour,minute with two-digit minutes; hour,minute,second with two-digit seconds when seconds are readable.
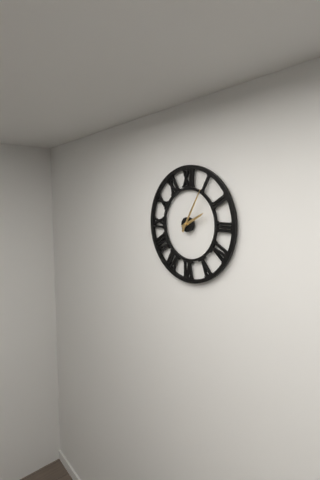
2,05
